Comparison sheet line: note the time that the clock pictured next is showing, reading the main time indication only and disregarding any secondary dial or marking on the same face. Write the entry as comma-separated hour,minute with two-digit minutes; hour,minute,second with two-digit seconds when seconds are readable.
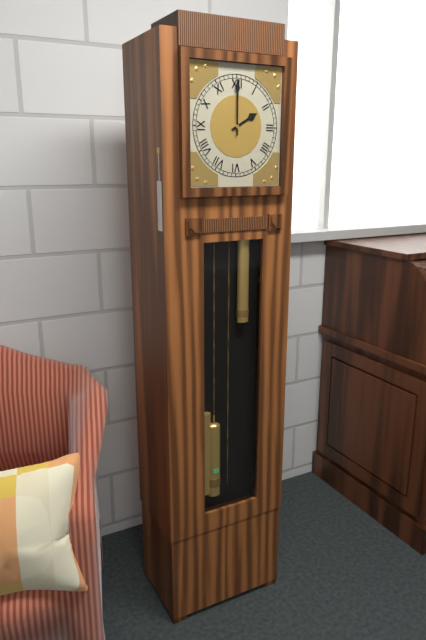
2,00
